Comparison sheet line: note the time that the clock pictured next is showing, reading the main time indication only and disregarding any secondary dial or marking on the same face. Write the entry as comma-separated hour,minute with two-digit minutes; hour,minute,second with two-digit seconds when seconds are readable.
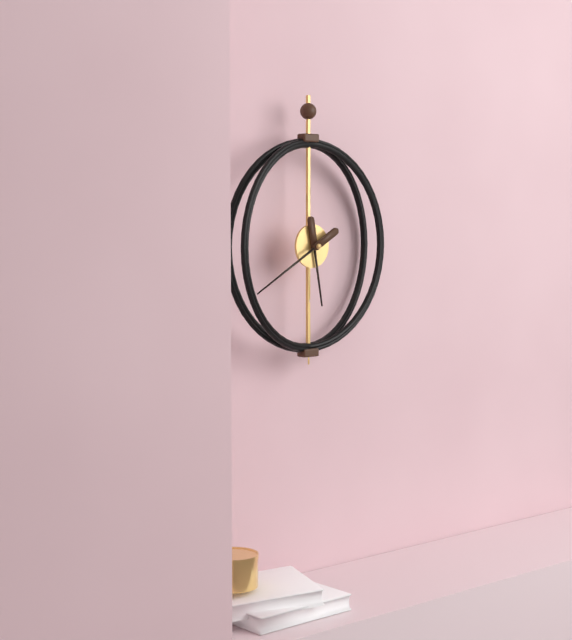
5,40
